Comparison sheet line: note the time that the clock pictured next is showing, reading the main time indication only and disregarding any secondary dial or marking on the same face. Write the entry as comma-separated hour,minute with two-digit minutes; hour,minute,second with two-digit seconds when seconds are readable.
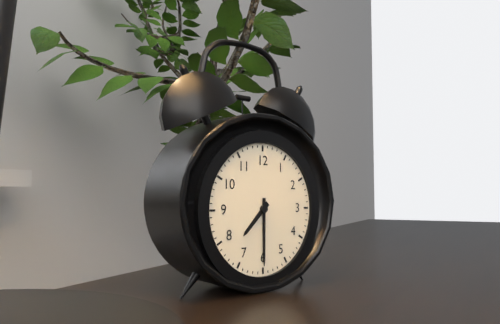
7,30
